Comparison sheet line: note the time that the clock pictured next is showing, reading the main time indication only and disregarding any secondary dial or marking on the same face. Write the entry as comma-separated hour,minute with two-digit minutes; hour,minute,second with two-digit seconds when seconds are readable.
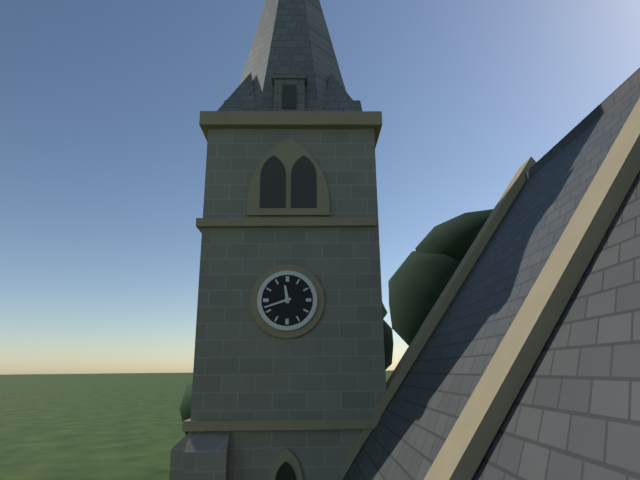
11,42
